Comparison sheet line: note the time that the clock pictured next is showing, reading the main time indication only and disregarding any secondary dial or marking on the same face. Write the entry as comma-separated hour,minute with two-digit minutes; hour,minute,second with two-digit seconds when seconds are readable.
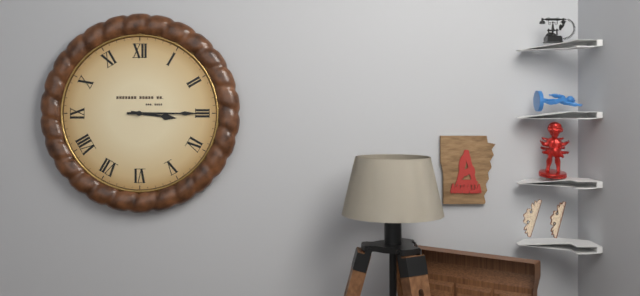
3,15
